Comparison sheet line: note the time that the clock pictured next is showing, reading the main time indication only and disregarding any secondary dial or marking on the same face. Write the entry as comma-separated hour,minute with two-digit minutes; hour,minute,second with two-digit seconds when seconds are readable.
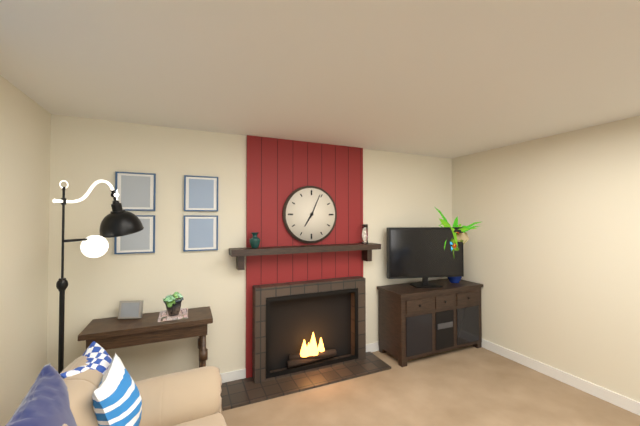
7,04
